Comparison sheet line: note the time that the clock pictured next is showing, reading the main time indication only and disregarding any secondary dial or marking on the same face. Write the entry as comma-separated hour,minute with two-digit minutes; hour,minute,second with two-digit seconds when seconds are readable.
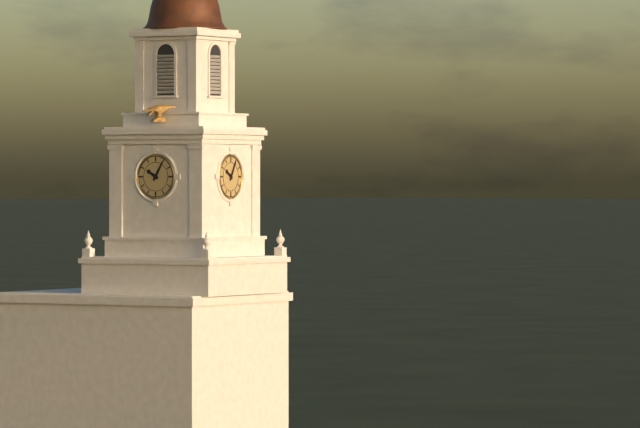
10,05
